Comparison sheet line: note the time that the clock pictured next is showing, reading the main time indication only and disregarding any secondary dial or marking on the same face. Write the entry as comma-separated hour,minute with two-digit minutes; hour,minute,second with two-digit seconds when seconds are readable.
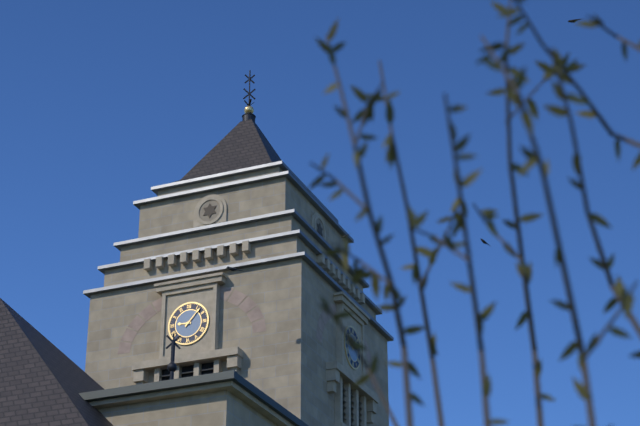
9,07
